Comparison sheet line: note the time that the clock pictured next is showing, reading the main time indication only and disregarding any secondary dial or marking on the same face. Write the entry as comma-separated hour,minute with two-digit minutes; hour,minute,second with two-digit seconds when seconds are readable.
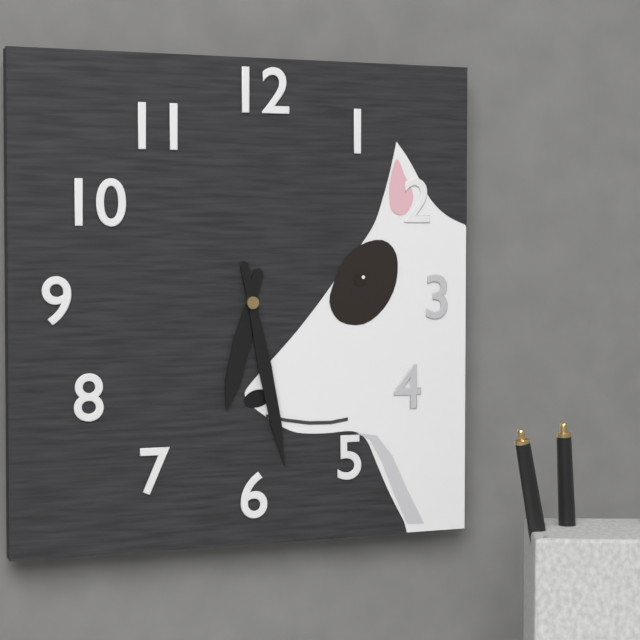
6,28
